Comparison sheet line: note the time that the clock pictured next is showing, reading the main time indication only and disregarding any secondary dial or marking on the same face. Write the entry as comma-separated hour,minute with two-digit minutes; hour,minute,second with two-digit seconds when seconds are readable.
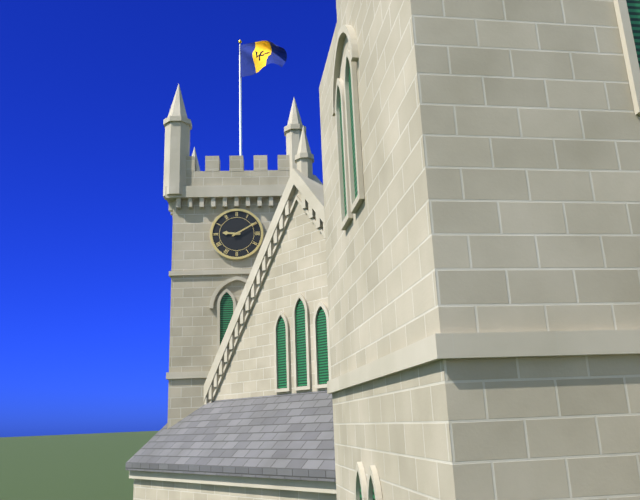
9,10
